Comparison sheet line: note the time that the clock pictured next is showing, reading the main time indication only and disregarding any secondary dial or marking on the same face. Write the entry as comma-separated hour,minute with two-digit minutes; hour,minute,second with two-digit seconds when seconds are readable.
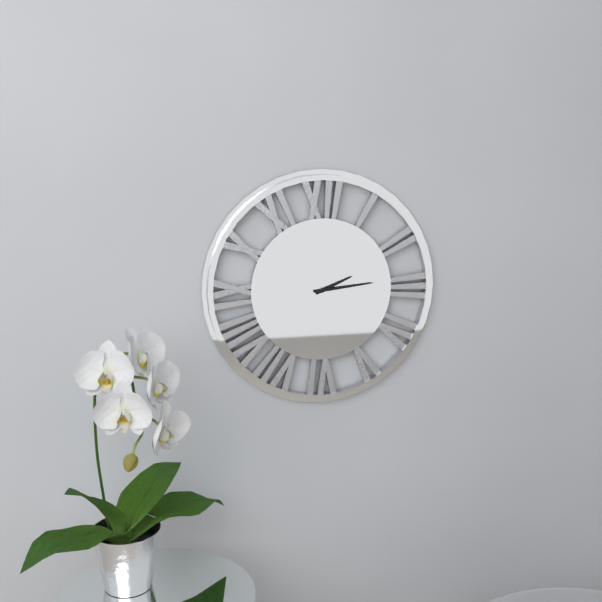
2,14
